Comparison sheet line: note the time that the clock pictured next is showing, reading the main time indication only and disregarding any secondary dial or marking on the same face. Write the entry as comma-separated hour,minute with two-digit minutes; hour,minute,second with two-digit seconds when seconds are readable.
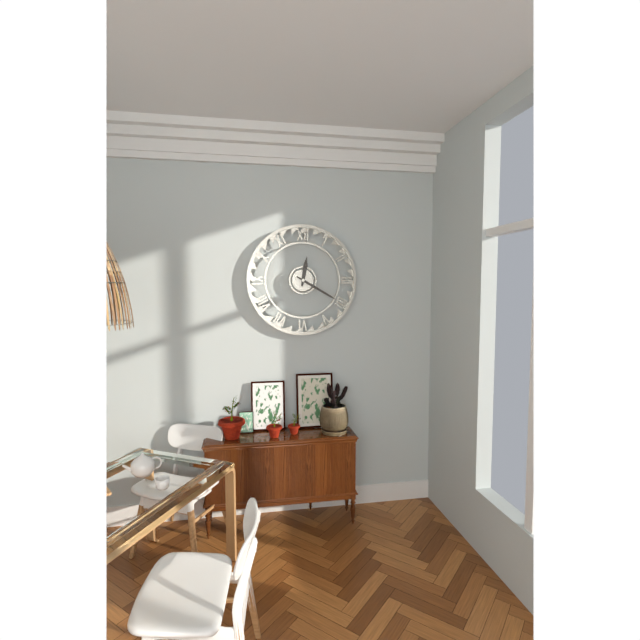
12,20
